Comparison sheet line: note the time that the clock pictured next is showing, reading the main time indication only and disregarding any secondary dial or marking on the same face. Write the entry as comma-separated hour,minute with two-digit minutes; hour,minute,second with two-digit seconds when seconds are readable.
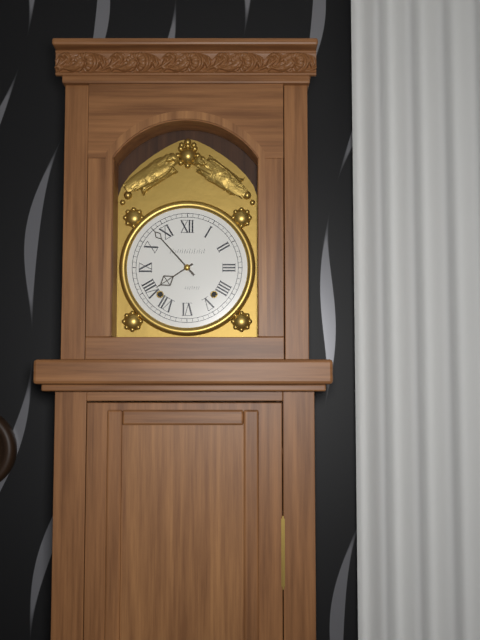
7,53
